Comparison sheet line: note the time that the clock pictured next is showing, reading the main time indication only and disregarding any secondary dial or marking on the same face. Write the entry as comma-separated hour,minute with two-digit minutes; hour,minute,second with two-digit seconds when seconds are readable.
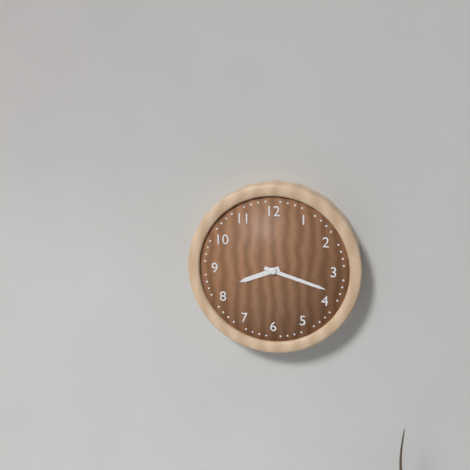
8,18
